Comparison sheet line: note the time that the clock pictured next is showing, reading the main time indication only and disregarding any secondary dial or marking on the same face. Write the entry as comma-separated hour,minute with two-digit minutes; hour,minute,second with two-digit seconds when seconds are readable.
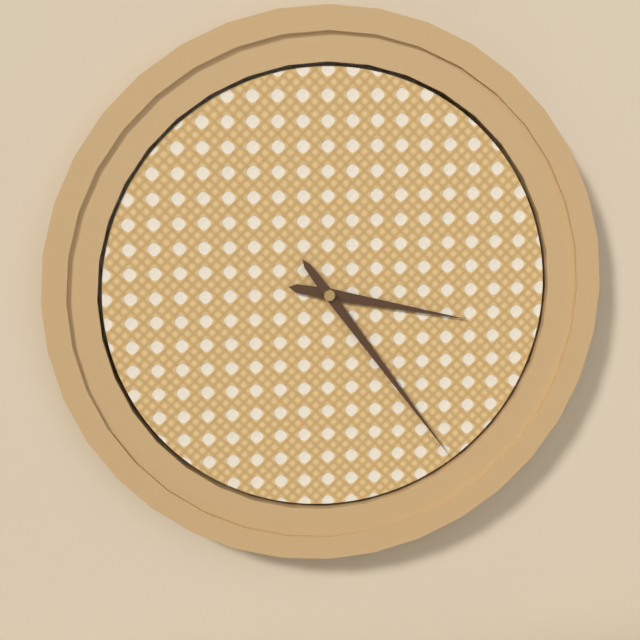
3,24
